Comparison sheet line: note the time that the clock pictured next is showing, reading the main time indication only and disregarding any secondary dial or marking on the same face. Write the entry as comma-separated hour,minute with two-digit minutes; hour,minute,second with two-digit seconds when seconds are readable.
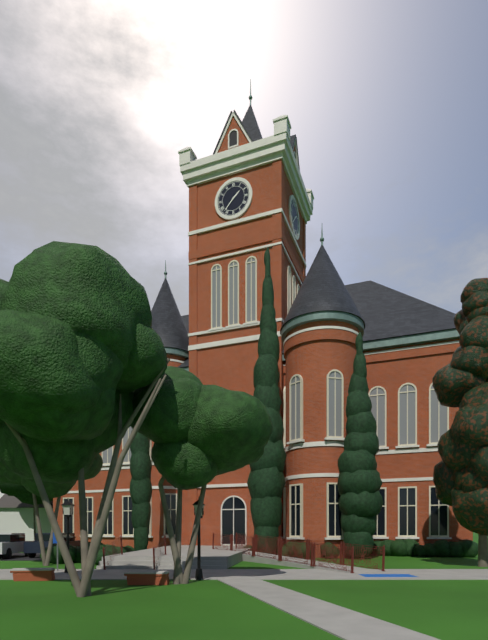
1,37
